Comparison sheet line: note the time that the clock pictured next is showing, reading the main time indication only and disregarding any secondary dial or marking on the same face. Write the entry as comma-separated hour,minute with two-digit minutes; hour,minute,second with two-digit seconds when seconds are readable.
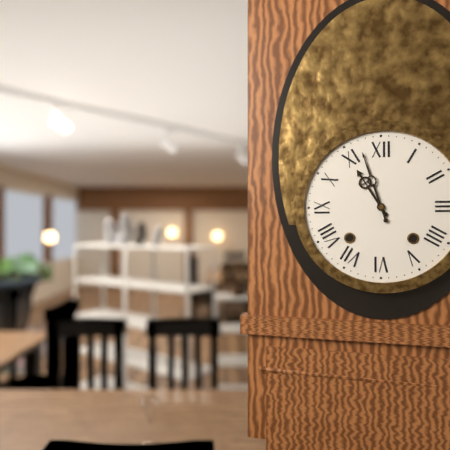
10,57
